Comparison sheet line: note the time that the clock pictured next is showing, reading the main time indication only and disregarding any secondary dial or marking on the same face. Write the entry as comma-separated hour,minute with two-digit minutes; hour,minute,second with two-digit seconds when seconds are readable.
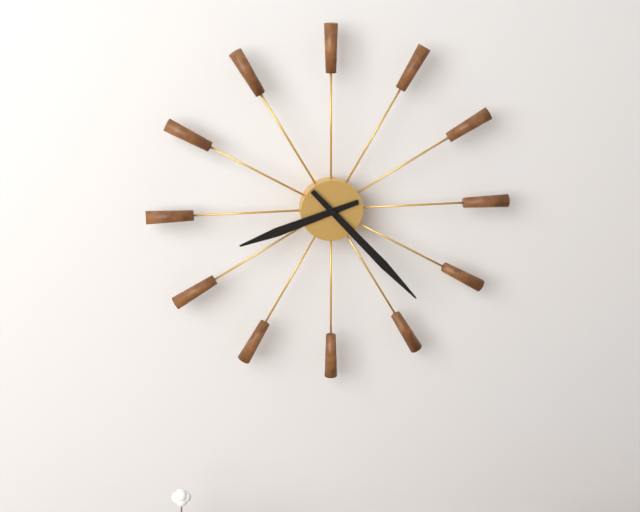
8,23
